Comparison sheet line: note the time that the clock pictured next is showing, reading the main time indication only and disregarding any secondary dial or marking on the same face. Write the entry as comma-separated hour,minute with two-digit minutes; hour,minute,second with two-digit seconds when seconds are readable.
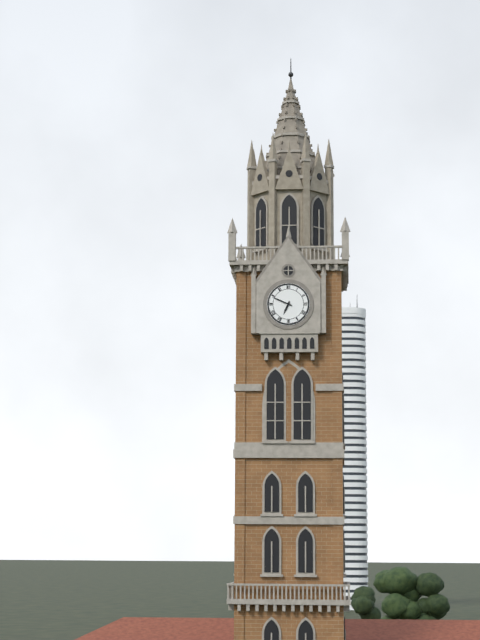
6,49
